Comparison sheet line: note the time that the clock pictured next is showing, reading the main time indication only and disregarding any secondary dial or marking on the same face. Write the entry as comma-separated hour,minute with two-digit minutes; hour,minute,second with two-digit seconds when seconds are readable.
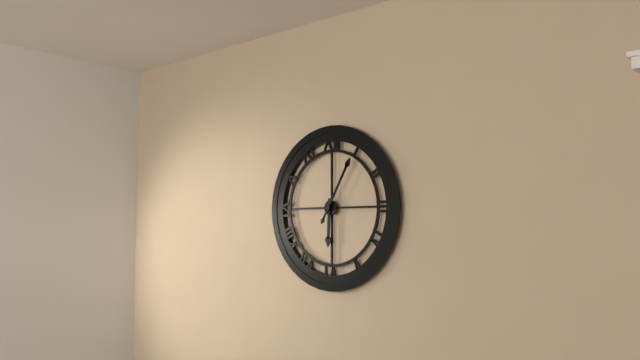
6,05
